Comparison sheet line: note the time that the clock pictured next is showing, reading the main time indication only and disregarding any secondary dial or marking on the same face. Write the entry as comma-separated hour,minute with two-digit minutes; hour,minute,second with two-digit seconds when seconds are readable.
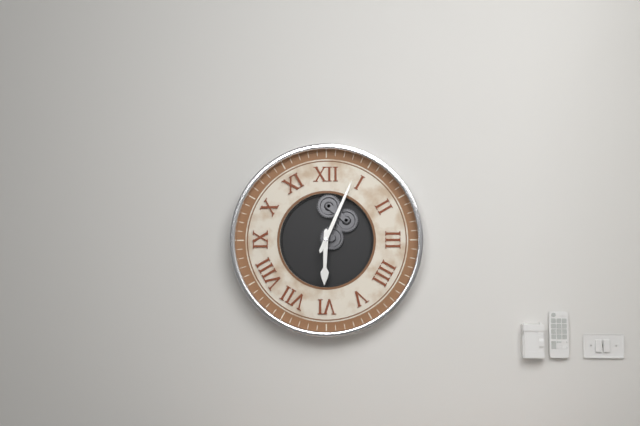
6,04
